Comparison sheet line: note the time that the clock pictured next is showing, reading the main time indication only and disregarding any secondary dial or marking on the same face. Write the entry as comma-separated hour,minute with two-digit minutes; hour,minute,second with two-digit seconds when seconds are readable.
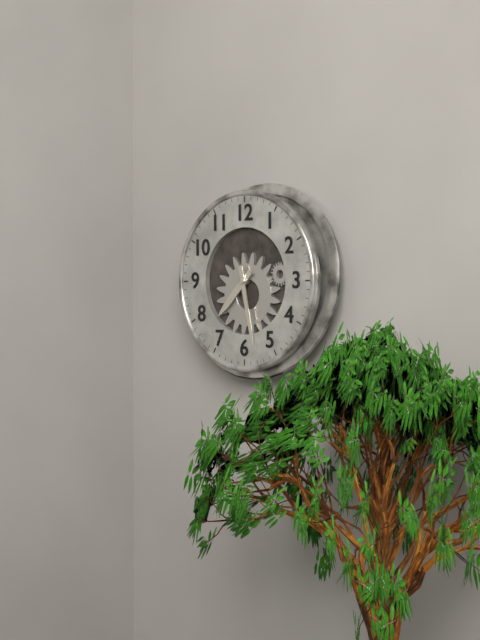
7,28
